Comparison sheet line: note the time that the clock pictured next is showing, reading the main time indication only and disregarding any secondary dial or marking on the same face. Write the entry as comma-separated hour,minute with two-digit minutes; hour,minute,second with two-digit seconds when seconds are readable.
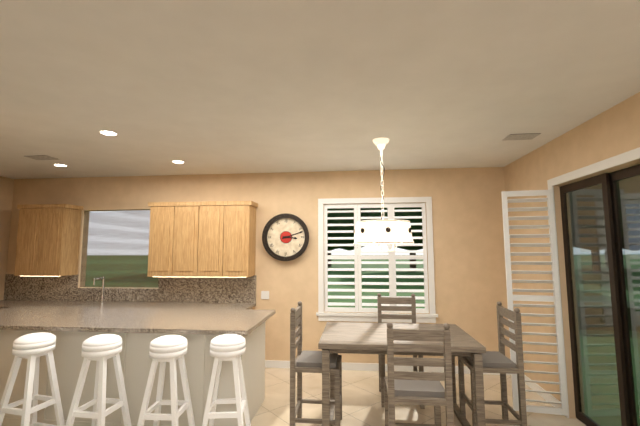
3,12
